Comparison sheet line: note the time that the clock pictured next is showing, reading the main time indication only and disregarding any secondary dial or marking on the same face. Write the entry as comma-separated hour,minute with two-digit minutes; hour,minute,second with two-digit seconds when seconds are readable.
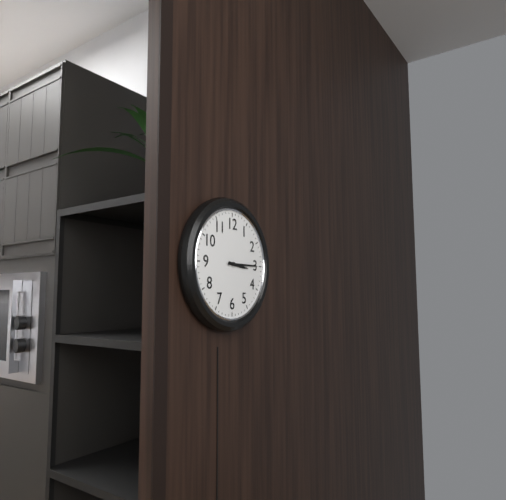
3,15
